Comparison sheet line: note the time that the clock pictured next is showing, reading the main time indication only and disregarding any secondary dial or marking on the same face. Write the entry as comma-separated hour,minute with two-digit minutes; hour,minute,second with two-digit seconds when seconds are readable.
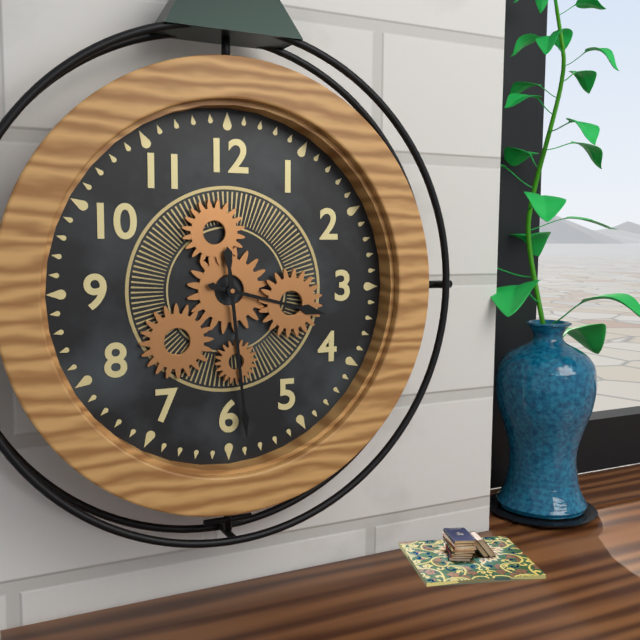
3,29
